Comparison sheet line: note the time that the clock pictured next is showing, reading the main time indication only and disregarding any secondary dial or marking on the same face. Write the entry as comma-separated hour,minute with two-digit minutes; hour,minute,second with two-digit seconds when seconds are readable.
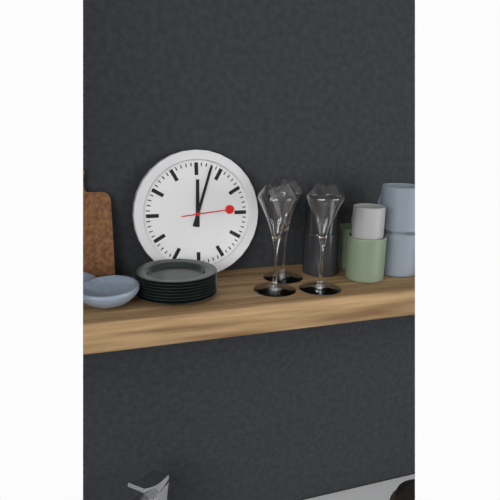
12,03
